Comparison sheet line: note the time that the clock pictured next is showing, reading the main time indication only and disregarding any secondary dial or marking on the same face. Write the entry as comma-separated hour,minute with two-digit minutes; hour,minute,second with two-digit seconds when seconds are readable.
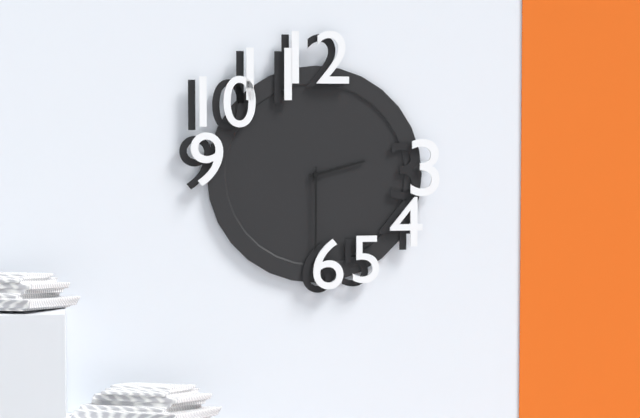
2,30
